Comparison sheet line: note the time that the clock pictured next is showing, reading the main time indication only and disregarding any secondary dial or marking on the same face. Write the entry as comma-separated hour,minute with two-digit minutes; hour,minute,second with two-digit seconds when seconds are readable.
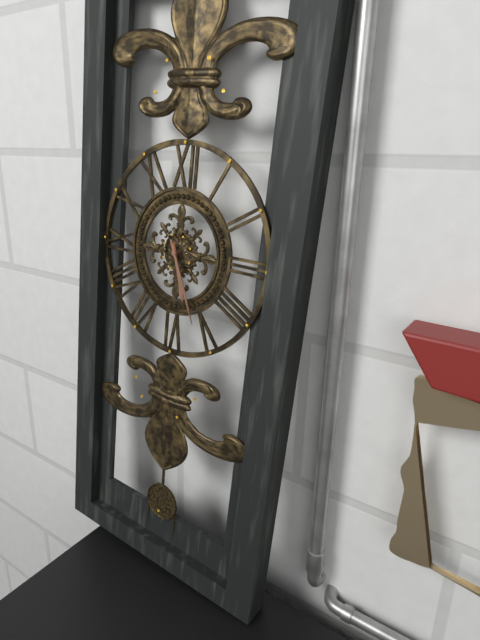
5,26
